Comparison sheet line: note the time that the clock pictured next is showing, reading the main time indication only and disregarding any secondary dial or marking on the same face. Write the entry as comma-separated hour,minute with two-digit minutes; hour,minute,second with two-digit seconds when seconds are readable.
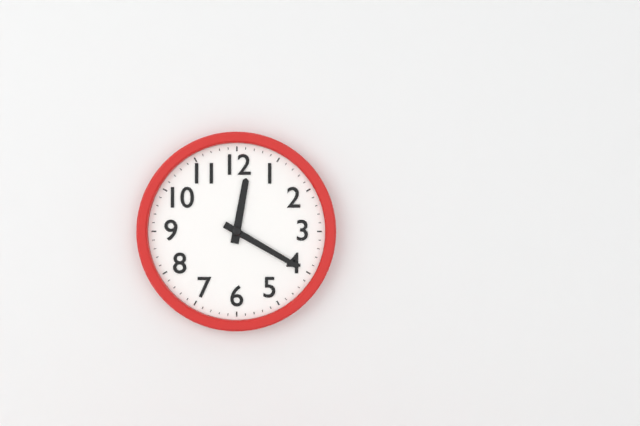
12,20
